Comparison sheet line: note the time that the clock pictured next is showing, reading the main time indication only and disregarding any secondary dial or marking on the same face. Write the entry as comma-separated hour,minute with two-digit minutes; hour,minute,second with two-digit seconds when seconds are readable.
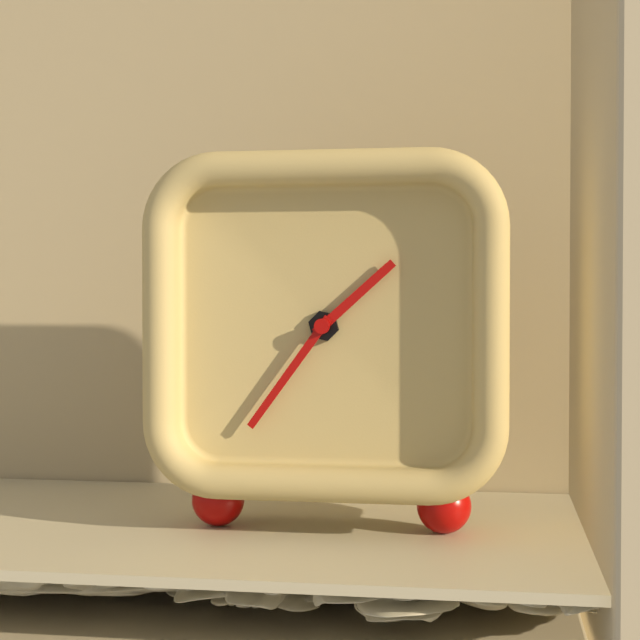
1,36
